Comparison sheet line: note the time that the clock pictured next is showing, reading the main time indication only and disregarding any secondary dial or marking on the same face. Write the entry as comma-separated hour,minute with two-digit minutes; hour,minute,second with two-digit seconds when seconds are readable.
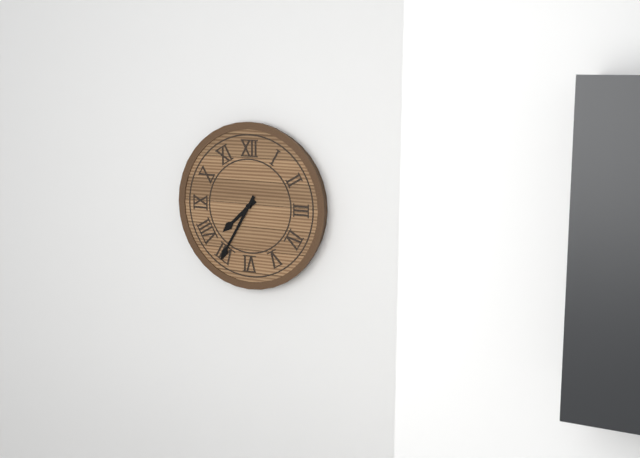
7,35
